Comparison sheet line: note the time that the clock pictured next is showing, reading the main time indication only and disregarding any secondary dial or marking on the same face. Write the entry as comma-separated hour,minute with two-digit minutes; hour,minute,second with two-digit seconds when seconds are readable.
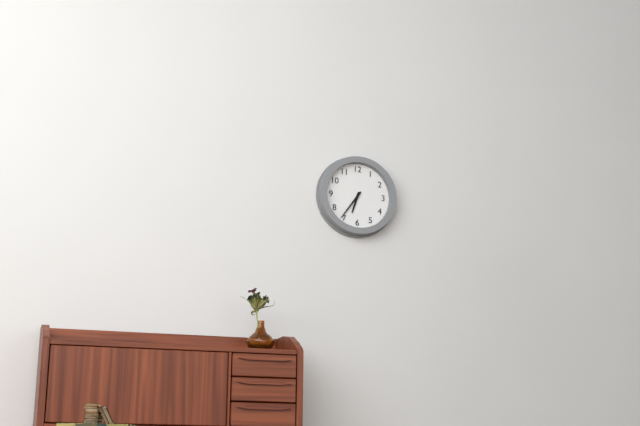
6,36
